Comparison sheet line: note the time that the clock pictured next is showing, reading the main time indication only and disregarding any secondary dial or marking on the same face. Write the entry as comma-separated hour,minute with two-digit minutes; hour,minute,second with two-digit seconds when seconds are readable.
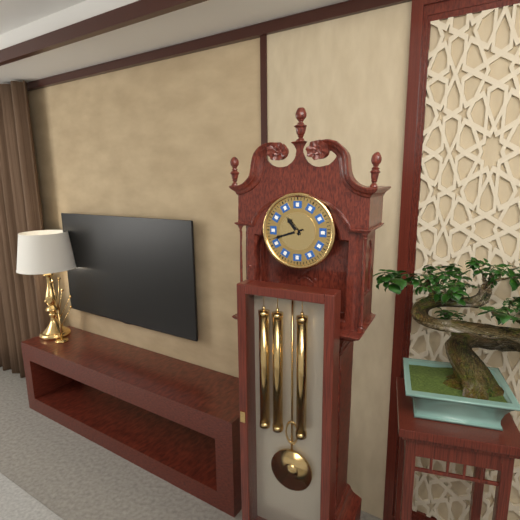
10,42
